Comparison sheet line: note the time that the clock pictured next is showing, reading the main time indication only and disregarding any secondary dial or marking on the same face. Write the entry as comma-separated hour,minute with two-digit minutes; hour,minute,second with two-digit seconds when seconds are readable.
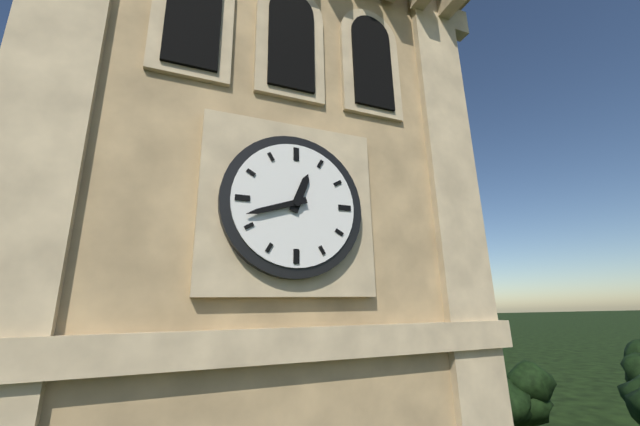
12,42
